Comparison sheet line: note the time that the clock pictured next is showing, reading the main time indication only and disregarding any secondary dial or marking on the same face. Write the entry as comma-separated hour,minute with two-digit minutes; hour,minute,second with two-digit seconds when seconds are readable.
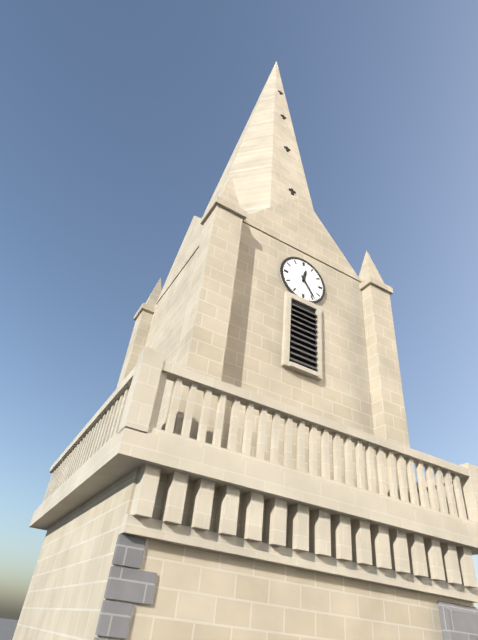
12,24
